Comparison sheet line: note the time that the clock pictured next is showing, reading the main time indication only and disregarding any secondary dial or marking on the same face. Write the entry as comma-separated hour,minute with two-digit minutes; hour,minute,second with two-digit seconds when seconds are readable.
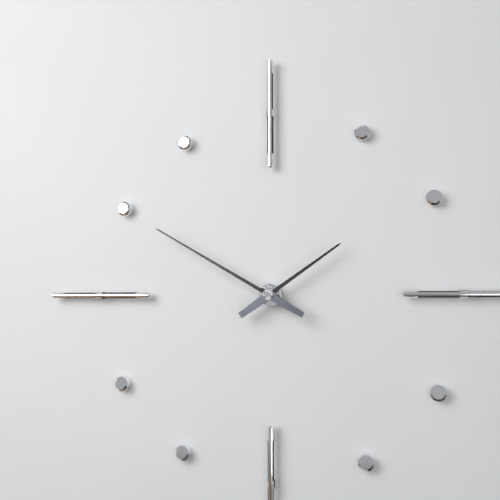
1,50
